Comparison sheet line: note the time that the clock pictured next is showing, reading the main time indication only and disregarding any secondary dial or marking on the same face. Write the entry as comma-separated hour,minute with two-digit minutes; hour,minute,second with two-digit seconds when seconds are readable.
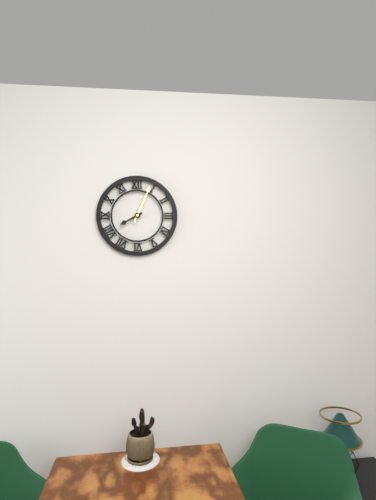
8,04
